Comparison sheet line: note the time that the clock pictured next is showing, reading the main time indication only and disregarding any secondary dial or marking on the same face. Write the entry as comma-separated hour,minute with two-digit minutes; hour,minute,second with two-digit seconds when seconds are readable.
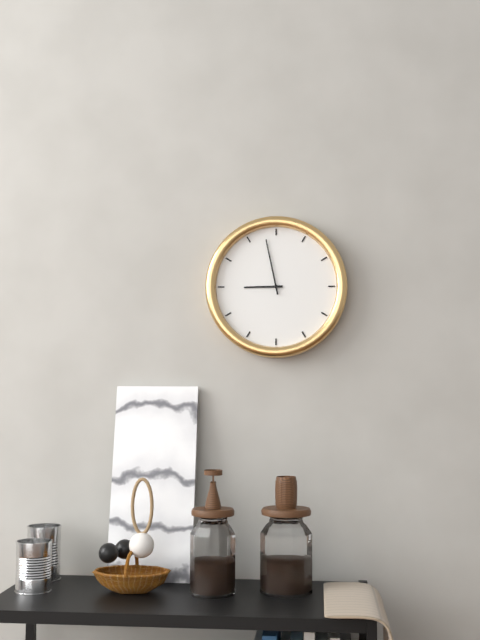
8,58
